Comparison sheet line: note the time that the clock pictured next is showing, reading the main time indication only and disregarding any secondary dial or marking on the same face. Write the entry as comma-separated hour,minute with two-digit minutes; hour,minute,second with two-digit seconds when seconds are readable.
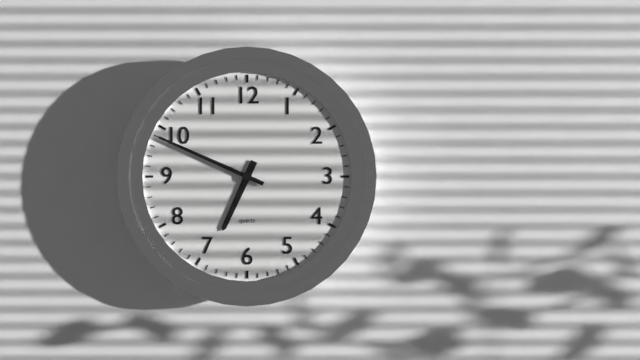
6,49
